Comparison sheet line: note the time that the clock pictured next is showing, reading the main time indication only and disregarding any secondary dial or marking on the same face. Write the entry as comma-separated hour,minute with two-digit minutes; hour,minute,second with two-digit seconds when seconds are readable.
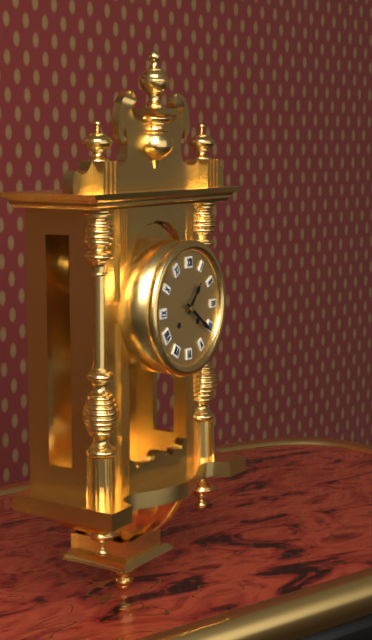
1,21
